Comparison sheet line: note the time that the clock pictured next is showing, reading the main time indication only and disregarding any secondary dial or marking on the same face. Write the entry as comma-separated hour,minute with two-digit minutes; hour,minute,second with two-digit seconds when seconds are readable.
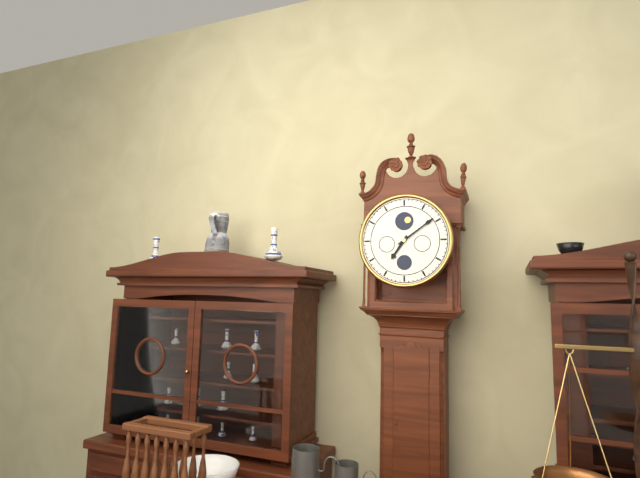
7,09
